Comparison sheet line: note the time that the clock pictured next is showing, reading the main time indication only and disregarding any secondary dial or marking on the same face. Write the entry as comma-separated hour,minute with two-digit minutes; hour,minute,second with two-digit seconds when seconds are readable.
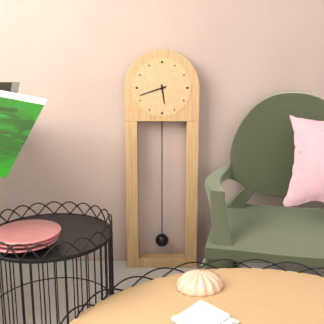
5,42
